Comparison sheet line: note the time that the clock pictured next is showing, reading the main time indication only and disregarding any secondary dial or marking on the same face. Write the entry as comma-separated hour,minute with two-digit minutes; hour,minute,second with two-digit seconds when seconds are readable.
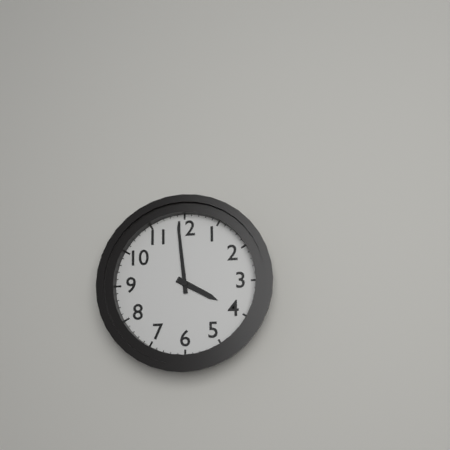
3,59
